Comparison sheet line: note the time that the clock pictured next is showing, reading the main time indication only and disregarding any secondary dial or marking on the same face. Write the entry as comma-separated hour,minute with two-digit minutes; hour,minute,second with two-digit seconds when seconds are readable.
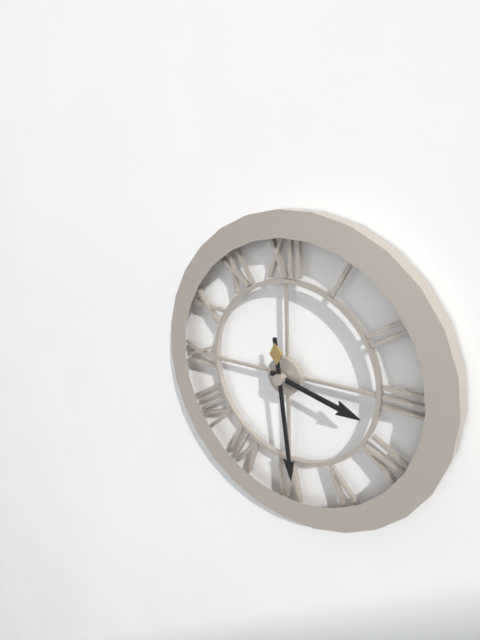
3,29
